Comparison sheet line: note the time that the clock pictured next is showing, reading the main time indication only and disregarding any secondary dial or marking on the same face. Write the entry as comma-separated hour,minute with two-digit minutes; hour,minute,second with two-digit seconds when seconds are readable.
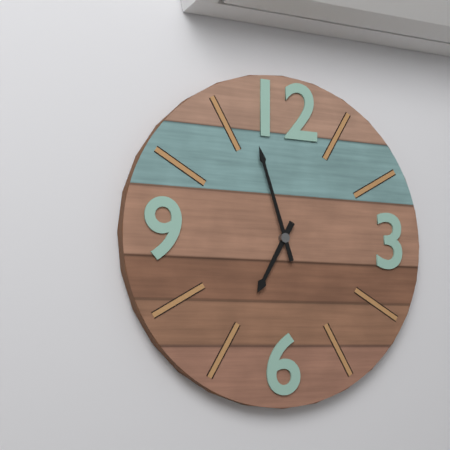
6,57
